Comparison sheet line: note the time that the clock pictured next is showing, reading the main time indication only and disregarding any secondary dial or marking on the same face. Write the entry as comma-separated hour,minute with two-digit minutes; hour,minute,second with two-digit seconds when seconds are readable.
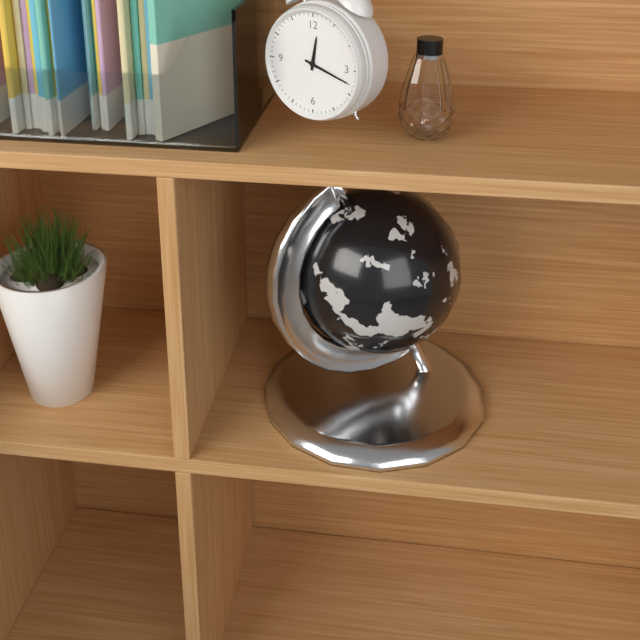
12,18
